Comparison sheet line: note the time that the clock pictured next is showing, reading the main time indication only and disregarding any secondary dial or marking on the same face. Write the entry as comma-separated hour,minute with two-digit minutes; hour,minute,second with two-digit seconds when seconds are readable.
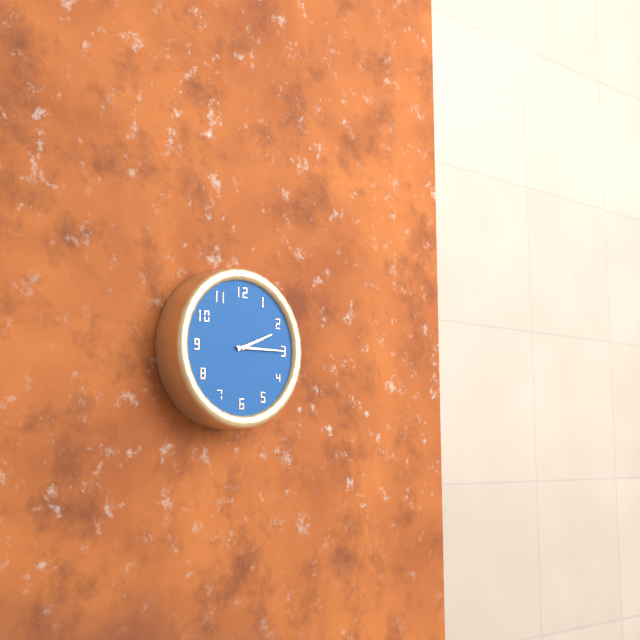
2,15
